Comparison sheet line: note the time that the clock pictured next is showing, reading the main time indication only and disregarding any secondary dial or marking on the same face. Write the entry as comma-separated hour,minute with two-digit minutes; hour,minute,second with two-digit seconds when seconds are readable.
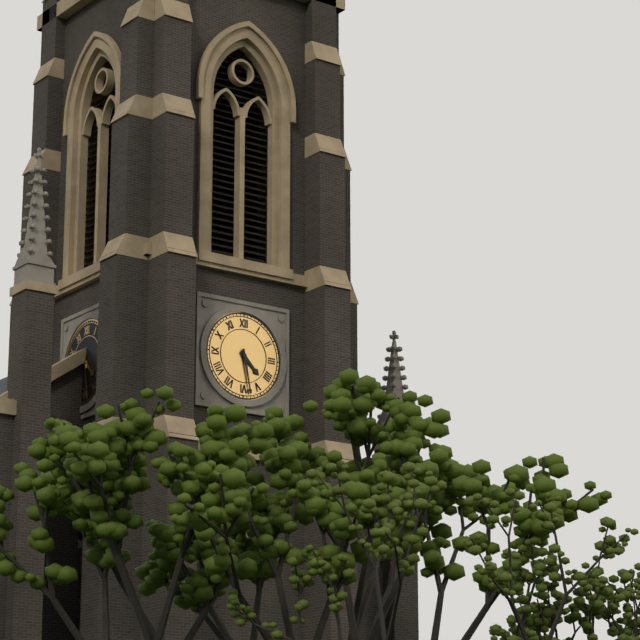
4,28
